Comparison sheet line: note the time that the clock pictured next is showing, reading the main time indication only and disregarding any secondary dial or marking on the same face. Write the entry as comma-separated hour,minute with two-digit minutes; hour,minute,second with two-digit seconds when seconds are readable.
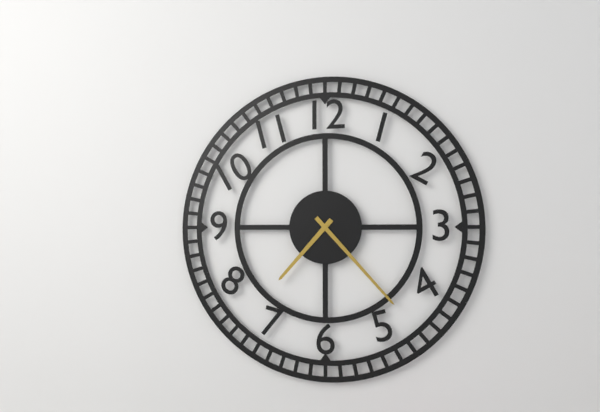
7,23
